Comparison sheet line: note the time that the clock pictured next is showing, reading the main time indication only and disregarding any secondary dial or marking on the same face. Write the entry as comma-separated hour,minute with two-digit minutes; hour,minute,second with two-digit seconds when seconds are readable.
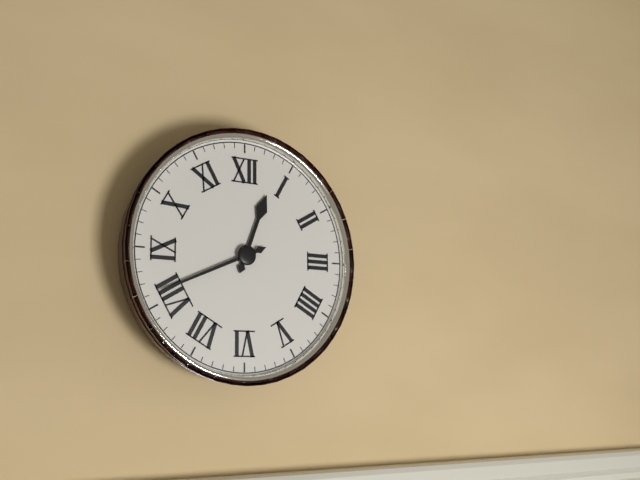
12,41
